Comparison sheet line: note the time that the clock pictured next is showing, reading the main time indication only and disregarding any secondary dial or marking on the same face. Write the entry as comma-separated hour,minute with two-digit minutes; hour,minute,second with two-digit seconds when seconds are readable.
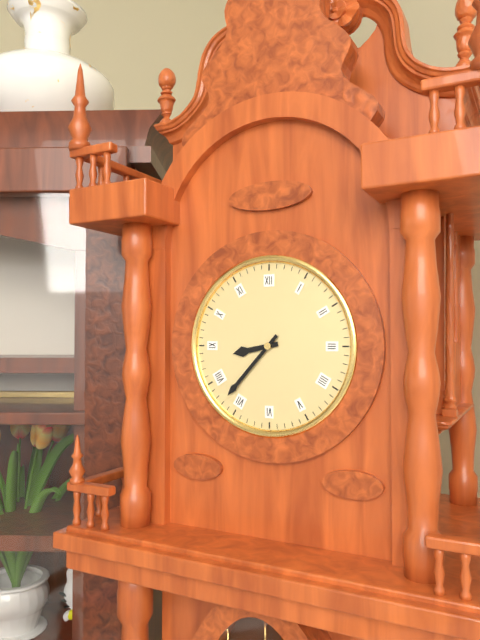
8,37
